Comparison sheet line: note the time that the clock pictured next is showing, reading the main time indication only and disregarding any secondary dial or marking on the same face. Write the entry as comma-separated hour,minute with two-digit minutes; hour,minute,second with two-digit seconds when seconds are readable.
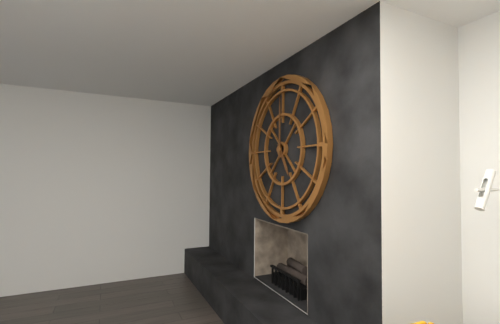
5,00
